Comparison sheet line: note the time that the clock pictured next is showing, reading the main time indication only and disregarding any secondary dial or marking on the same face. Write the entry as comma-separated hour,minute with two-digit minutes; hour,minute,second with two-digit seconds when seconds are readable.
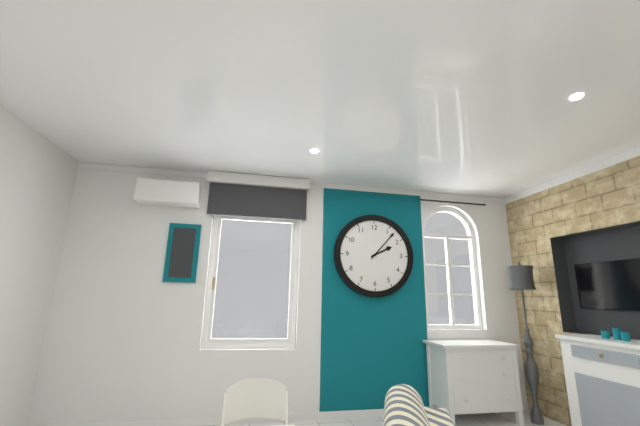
2,07
